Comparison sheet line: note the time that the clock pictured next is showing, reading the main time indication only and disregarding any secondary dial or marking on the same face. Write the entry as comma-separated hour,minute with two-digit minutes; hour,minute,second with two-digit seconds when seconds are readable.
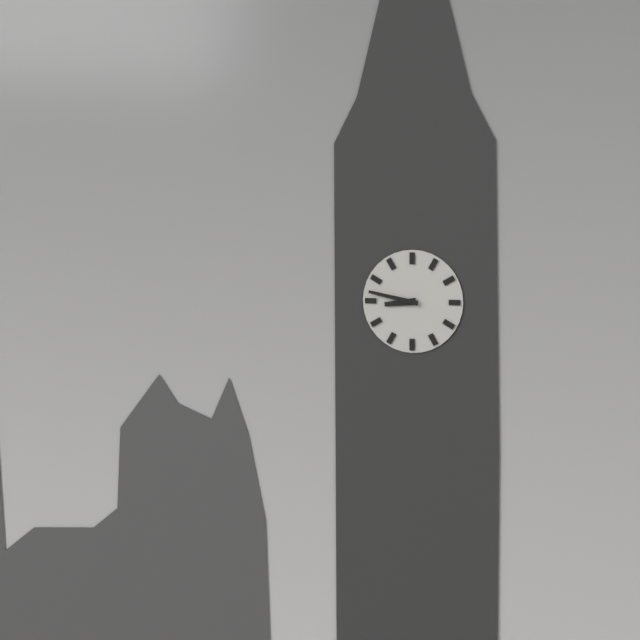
8,47
